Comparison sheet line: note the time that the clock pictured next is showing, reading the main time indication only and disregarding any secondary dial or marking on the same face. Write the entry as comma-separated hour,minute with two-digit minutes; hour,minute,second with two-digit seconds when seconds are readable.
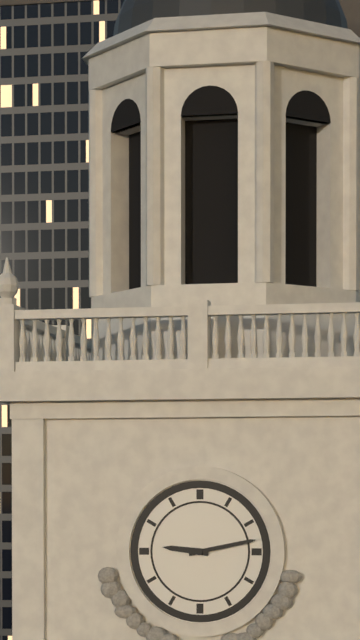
9,13
